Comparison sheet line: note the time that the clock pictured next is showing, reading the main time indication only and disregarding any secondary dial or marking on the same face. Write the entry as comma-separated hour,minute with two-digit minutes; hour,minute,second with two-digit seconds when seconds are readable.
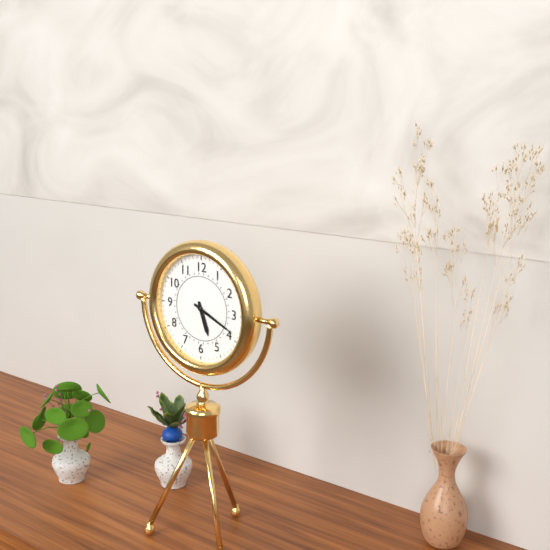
5,19
